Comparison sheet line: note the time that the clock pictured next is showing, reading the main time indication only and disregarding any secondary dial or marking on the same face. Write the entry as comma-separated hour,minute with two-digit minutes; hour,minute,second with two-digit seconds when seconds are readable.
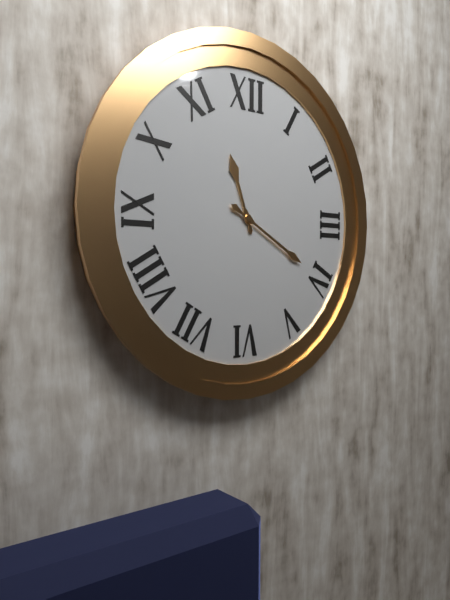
11,20
